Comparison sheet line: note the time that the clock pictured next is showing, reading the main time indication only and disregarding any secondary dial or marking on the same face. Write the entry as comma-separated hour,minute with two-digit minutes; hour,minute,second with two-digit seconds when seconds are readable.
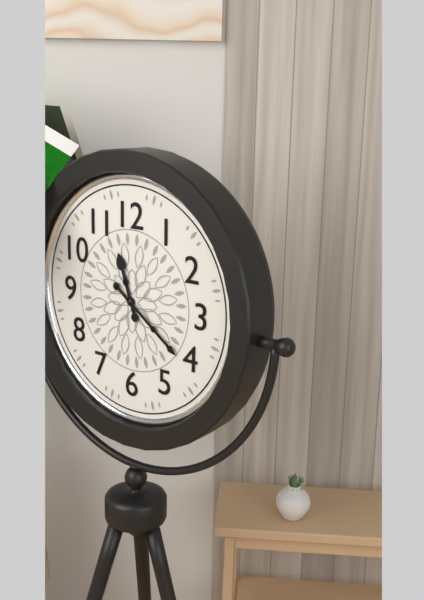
11,21
